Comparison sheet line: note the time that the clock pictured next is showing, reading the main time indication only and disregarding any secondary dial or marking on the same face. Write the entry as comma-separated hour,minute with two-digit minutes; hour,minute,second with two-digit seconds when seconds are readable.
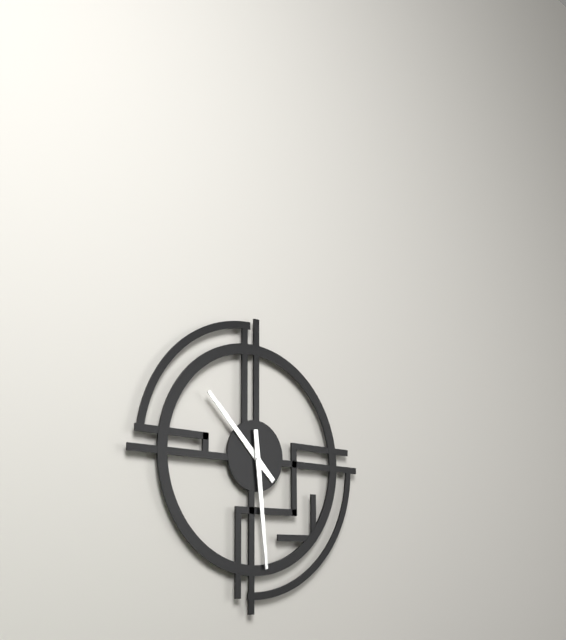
10,29
